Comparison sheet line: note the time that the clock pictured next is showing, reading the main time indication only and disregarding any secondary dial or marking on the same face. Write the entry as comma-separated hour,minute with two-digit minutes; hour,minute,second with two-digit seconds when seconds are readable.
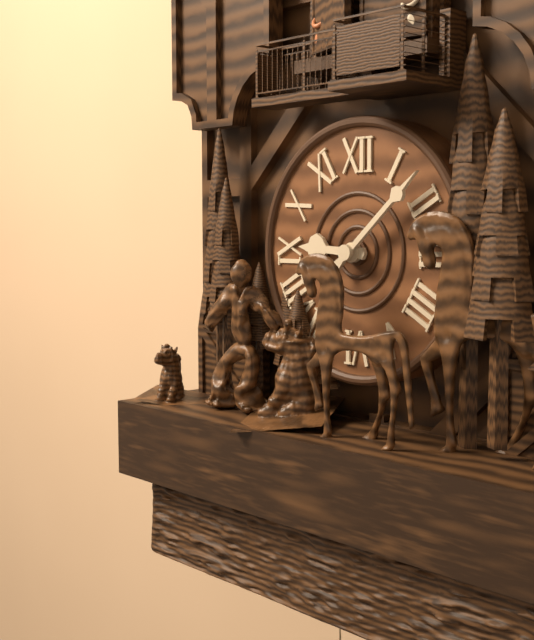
9,08
